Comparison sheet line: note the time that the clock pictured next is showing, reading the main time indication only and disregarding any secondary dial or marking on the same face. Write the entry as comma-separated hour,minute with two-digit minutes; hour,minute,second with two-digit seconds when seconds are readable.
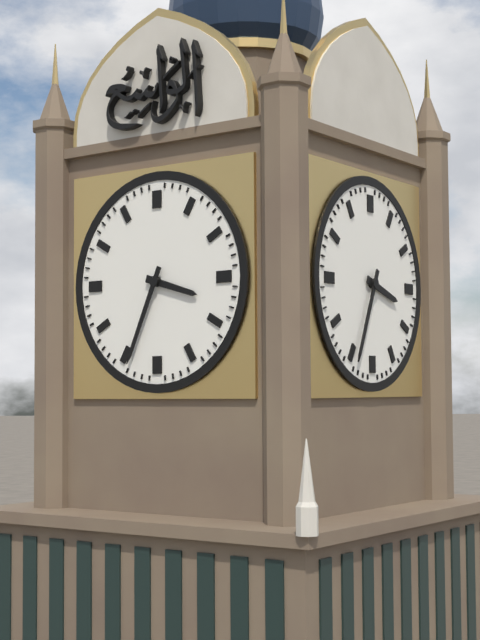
3,34
